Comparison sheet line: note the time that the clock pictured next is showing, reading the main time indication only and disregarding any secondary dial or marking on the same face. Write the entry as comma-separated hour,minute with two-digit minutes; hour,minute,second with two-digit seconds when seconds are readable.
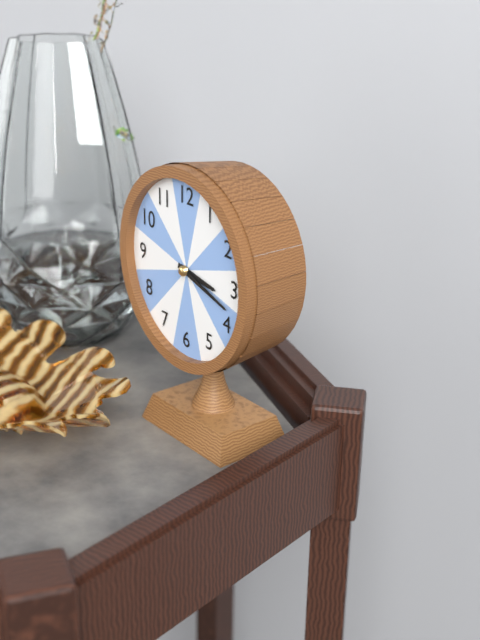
3,18
